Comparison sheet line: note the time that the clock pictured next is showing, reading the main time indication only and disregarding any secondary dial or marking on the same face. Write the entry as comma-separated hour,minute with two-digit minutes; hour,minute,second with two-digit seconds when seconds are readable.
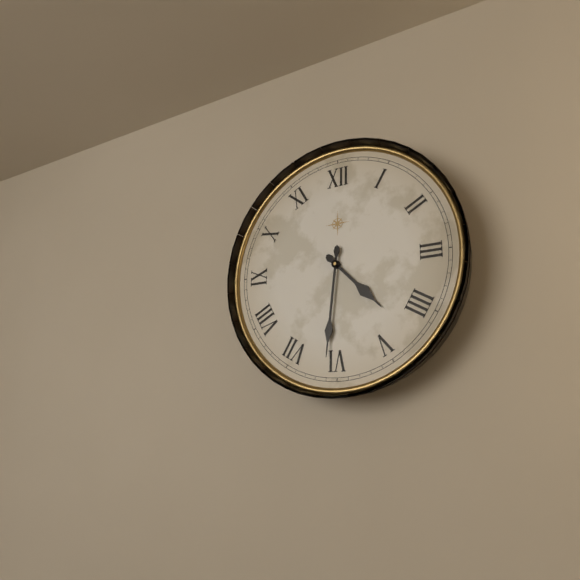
4,31
